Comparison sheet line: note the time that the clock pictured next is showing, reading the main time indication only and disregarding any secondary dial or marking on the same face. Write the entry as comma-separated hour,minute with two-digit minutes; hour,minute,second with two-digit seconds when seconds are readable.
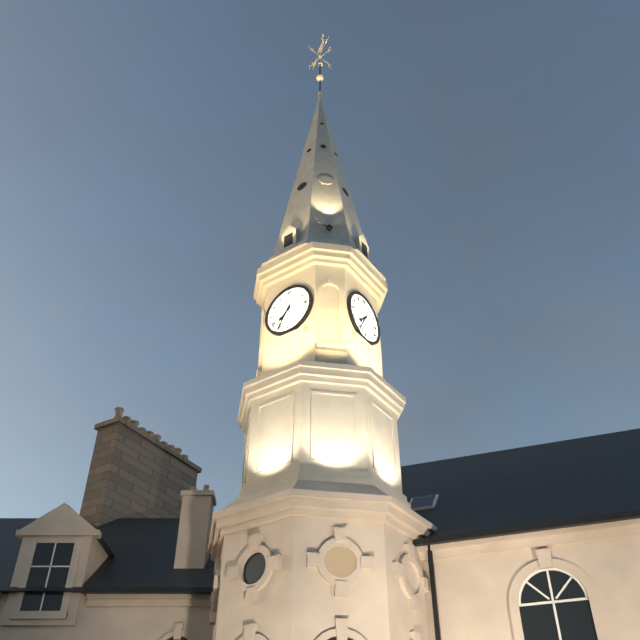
7,35
